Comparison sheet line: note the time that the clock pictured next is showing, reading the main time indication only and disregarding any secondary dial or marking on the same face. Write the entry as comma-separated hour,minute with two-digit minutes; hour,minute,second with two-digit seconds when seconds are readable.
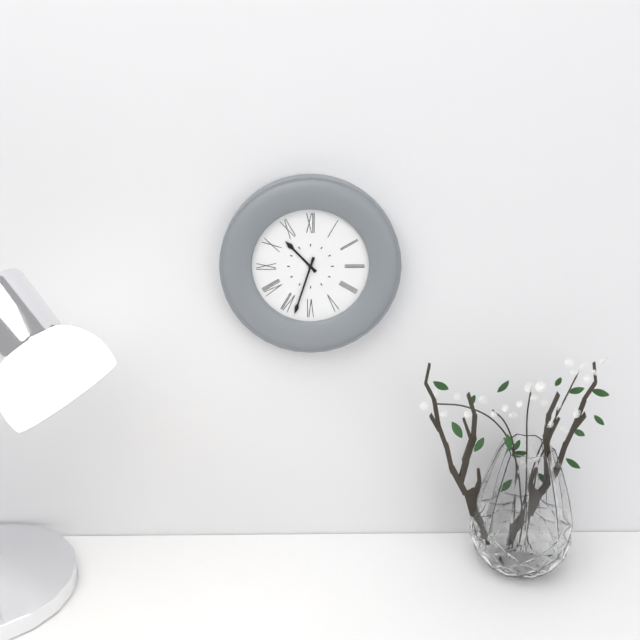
10,33
